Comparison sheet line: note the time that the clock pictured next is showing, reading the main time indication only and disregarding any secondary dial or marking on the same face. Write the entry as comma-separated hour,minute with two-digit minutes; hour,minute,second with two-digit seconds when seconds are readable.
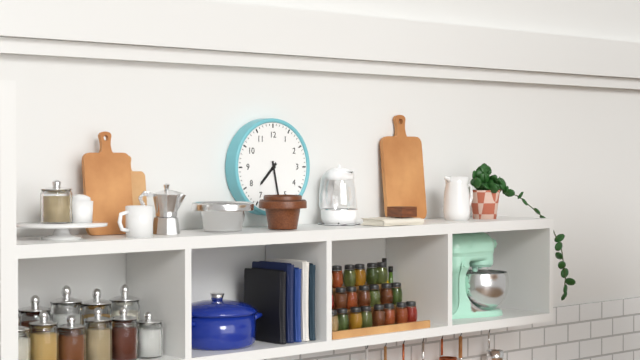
7,28
